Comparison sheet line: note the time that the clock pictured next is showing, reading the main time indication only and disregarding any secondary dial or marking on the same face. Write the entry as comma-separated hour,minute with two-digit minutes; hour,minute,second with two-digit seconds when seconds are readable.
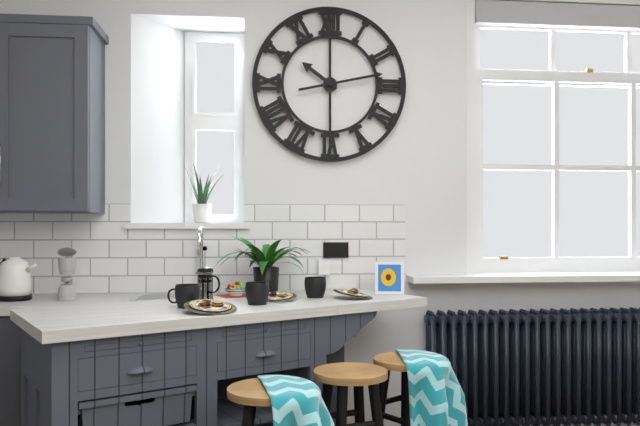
10,13
